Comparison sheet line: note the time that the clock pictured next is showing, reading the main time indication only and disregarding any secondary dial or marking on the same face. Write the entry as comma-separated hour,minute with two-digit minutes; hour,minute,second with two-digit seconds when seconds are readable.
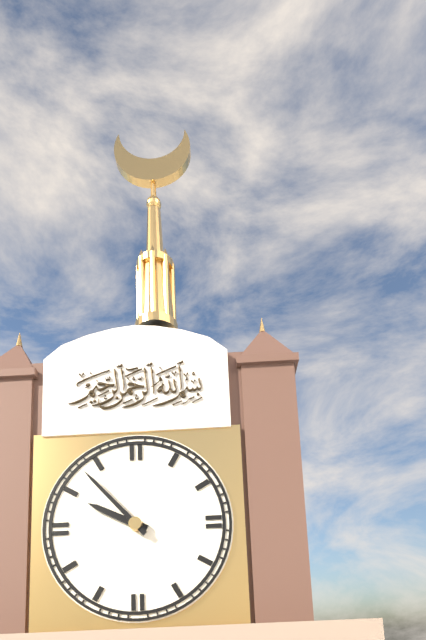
9,53
